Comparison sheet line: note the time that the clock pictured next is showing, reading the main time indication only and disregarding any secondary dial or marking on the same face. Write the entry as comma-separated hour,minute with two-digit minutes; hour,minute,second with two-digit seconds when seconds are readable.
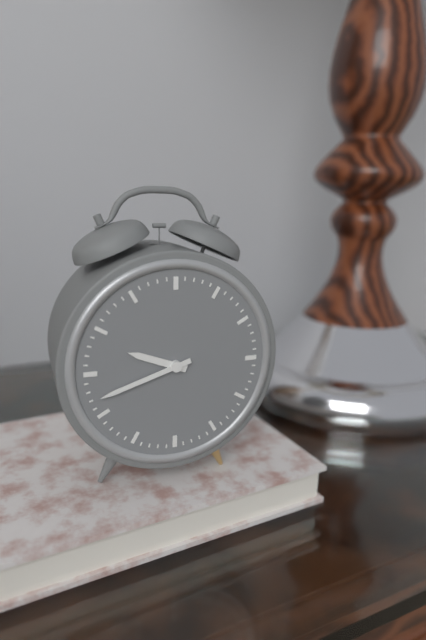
9,42
